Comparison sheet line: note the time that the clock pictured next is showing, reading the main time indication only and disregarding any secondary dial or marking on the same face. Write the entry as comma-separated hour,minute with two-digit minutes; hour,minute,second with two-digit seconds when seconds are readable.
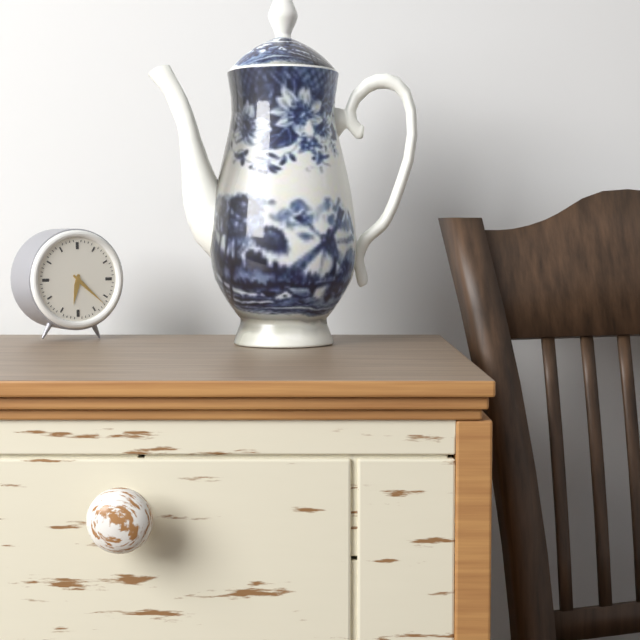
6,22
